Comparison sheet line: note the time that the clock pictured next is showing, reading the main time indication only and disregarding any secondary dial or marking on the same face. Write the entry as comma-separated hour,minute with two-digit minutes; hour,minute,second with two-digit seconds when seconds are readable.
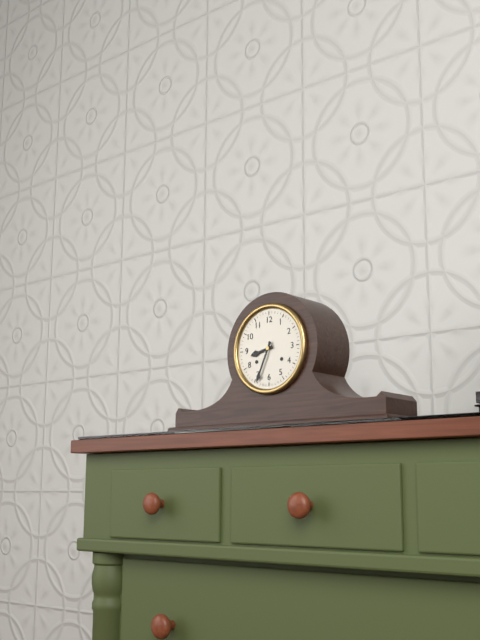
8,34
